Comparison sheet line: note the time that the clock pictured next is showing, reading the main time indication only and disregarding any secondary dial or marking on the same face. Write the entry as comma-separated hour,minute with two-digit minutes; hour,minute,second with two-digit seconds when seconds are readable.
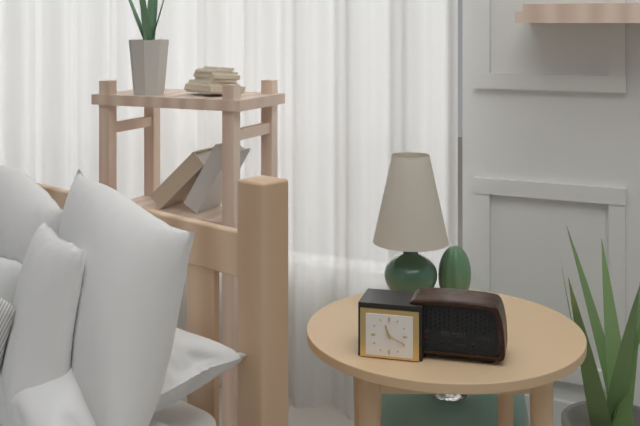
11,19
